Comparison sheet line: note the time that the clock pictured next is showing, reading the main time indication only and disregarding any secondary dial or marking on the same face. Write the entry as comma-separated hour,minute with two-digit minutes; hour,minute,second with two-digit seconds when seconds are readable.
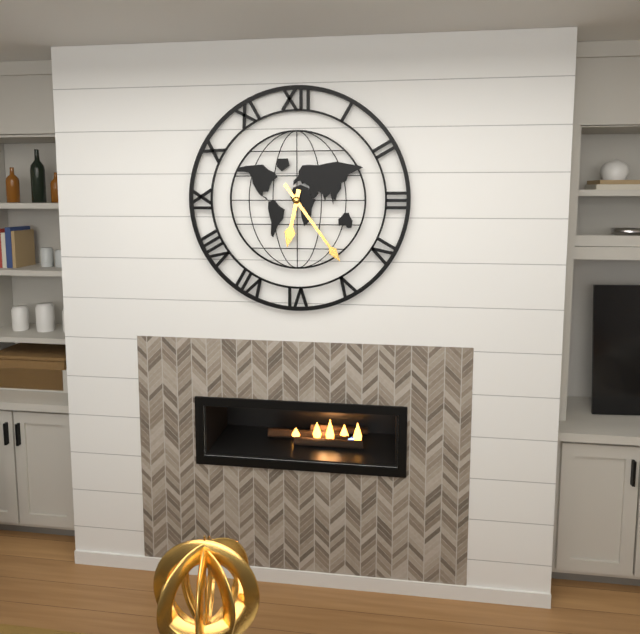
6,24
